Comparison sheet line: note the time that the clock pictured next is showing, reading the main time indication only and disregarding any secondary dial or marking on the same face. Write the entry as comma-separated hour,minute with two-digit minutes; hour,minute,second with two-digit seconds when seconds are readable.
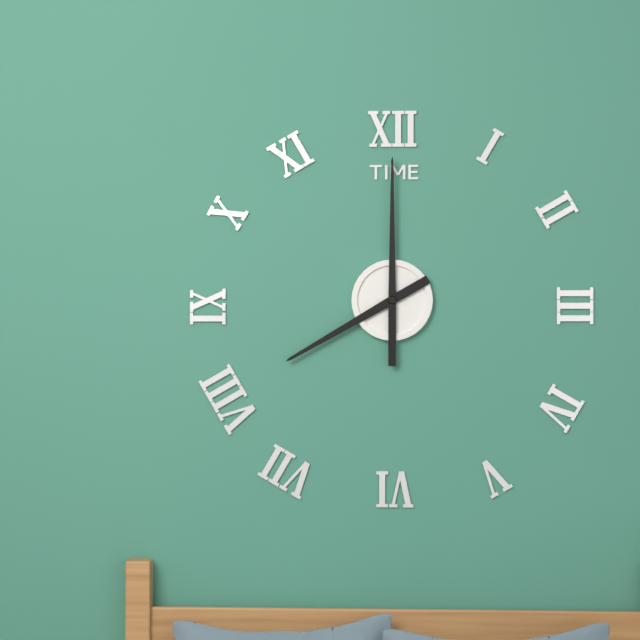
8,00
